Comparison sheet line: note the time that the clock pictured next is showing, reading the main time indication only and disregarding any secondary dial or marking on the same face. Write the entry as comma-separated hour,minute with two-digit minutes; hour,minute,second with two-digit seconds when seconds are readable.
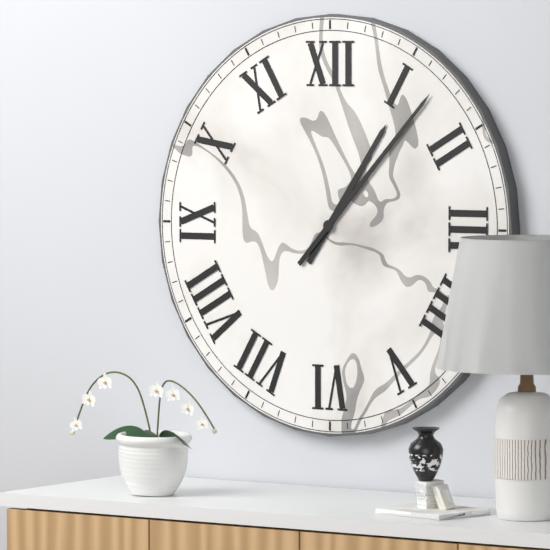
1,07
